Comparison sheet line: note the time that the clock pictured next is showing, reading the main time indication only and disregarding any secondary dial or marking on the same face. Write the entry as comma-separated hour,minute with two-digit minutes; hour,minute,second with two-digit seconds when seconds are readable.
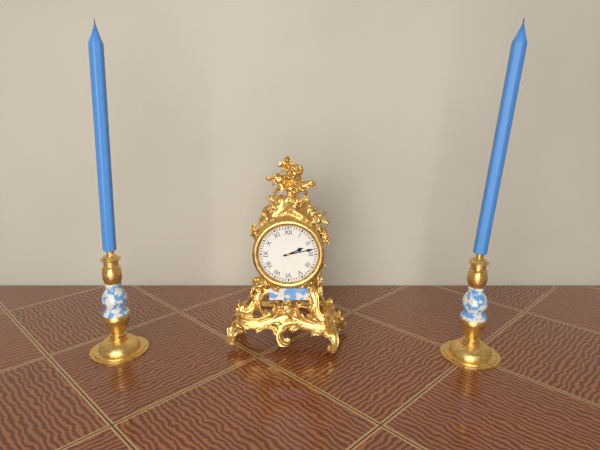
2,13
